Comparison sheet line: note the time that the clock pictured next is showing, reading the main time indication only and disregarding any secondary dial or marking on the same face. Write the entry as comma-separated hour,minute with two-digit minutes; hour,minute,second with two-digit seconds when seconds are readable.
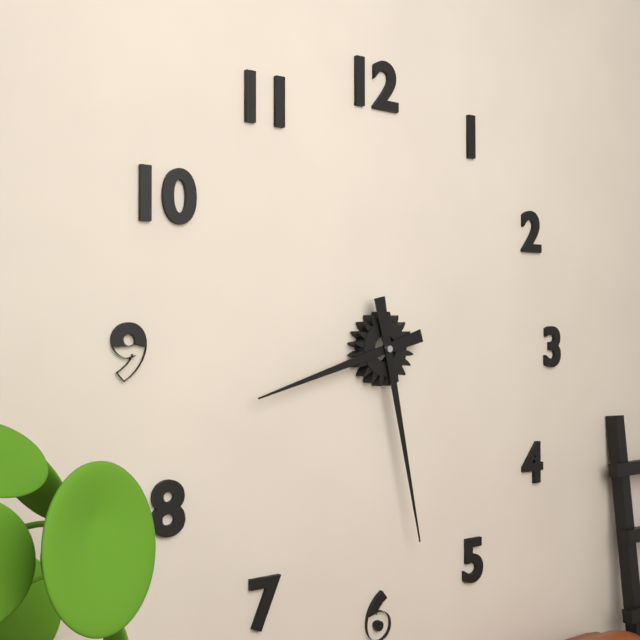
8,28
